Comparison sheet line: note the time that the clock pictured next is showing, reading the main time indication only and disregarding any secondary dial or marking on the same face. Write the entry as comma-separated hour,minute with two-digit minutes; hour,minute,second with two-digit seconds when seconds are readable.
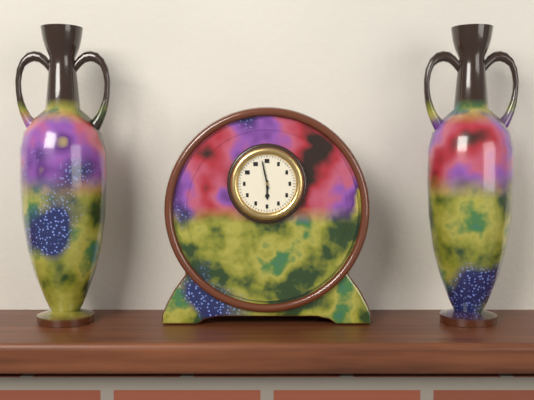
5,58
